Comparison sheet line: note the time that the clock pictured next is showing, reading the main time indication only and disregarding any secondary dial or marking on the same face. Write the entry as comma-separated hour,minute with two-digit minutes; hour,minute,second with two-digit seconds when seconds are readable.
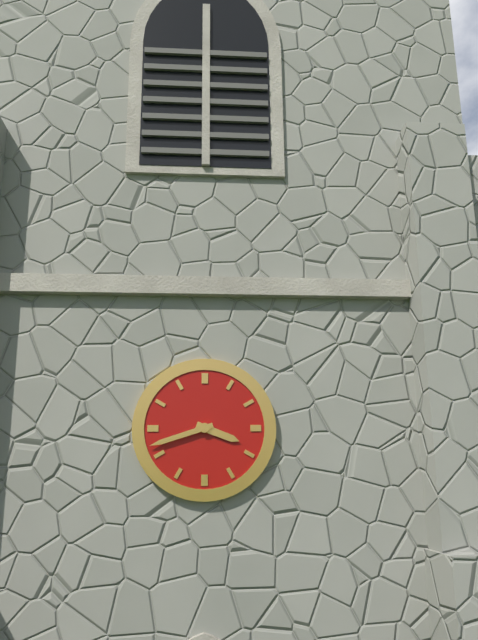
3,42
